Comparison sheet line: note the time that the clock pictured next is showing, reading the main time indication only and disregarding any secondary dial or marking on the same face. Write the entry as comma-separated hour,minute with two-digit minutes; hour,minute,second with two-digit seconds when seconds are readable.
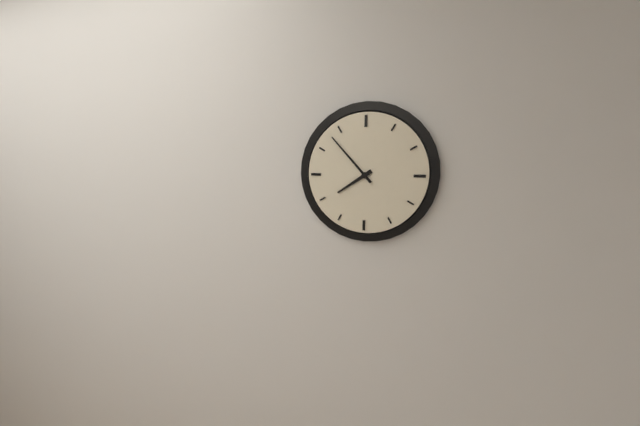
7,53
